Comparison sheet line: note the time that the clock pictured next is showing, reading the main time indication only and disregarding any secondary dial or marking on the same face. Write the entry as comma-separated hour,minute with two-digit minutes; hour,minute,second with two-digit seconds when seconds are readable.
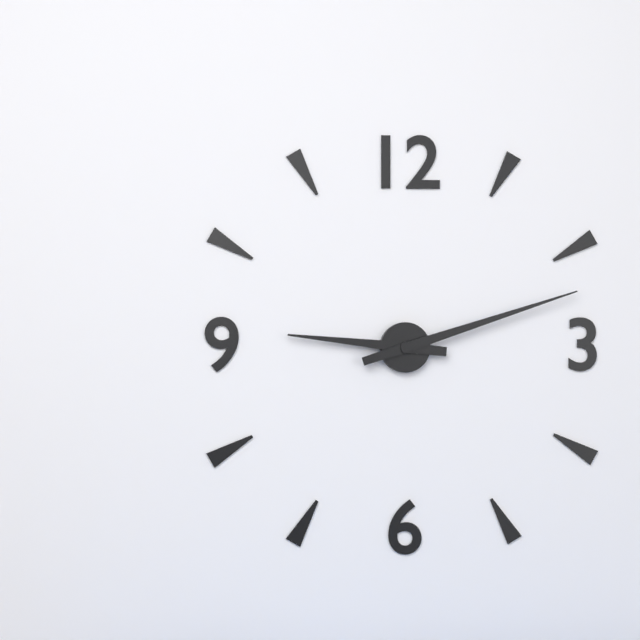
9,12
